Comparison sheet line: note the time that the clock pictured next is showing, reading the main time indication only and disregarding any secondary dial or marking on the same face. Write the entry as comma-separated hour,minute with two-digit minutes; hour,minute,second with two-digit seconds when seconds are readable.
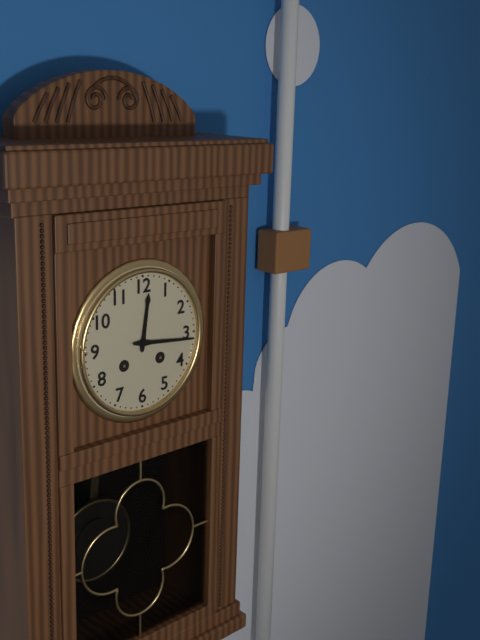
12,16
